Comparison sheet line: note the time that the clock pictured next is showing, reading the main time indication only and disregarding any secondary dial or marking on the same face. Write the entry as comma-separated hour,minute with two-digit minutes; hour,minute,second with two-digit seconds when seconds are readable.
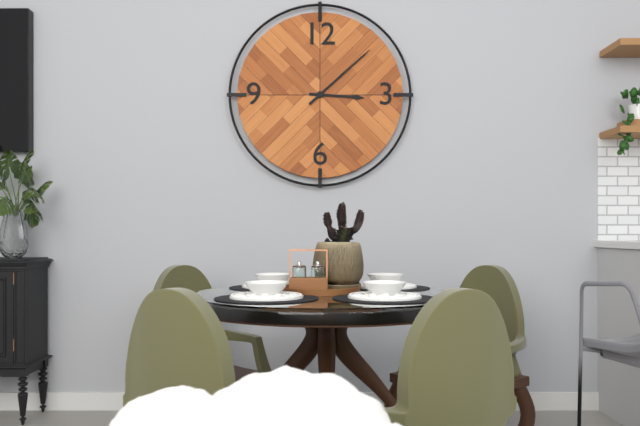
3,08
